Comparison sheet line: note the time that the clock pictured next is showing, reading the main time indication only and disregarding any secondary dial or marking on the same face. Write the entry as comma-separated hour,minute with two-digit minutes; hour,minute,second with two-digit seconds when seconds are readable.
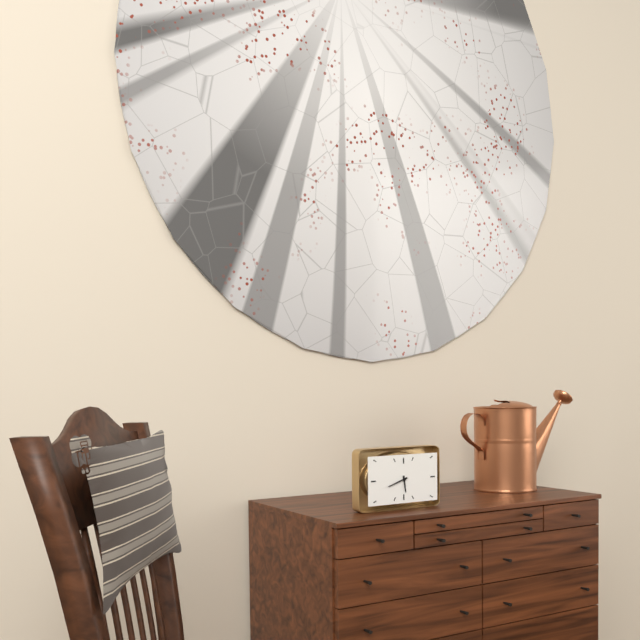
5,42
